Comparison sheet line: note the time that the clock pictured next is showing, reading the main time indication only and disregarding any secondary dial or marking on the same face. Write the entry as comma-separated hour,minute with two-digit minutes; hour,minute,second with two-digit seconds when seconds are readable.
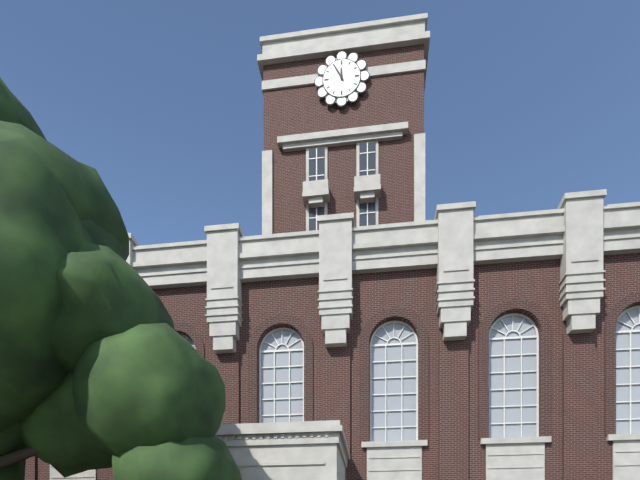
11,55
